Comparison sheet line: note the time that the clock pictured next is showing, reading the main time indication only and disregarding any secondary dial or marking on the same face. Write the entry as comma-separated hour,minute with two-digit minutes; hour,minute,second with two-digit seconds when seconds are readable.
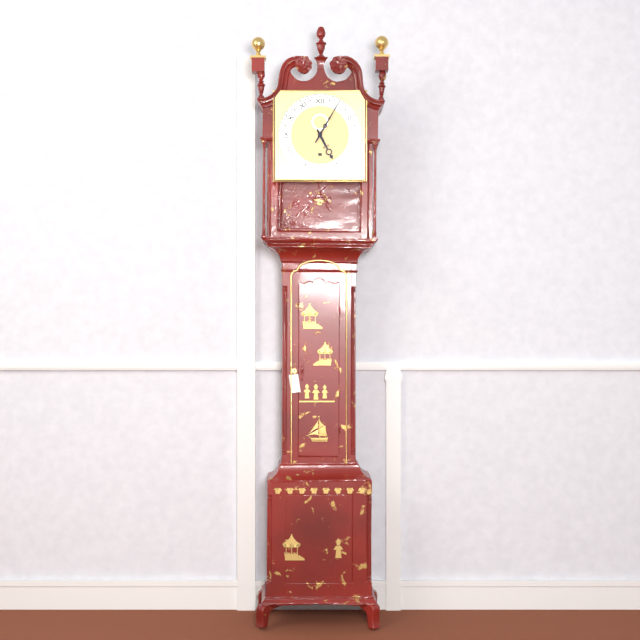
5,05
